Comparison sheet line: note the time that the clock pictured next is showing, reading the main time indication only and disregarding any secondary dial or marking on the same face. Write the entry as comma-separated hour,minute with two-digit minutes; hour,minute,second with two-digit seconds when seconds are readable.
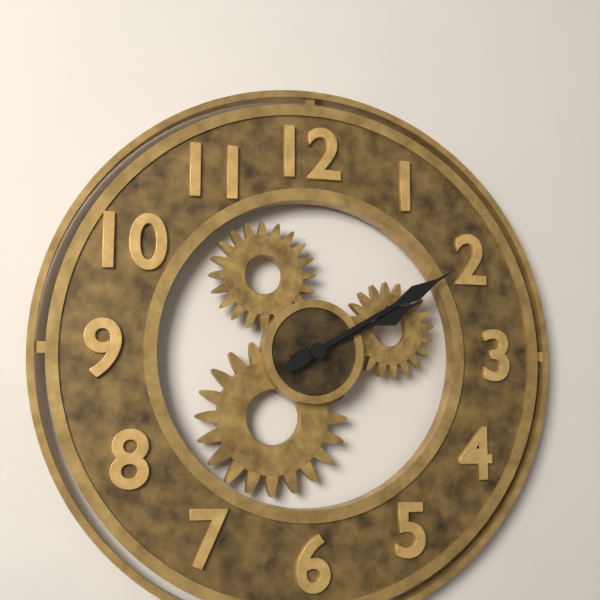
2,10
